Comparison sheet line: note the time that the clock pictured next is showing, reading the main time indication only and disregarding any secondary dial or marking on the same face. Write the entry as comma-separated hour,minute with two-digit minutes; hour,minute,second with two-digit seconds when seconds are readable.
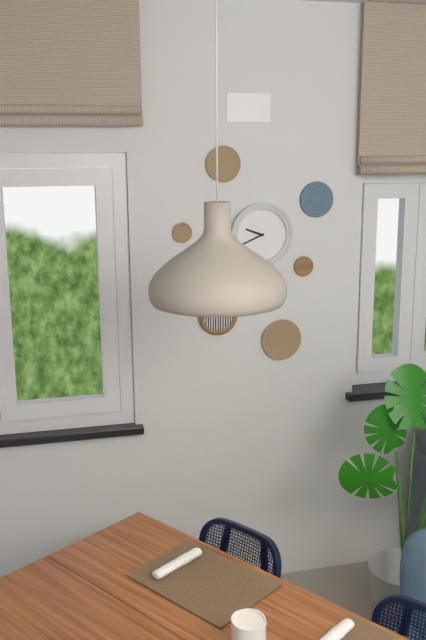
9,41
